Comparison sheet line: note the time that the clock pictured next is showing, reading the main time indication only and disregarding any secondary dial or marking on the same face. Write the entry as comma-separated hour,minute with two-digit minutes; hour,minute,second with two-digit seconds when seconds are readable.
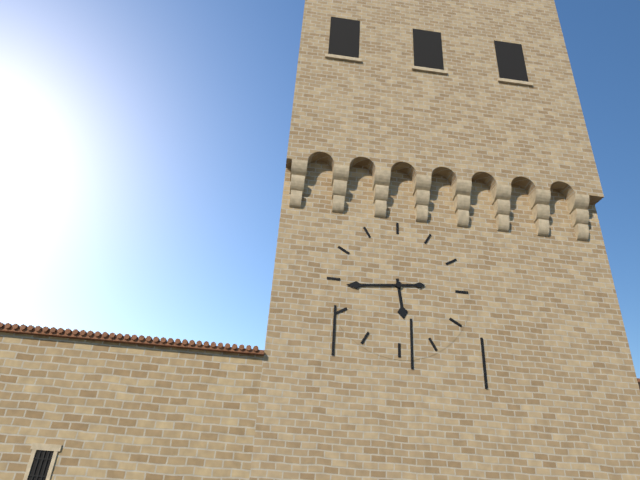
5,44
